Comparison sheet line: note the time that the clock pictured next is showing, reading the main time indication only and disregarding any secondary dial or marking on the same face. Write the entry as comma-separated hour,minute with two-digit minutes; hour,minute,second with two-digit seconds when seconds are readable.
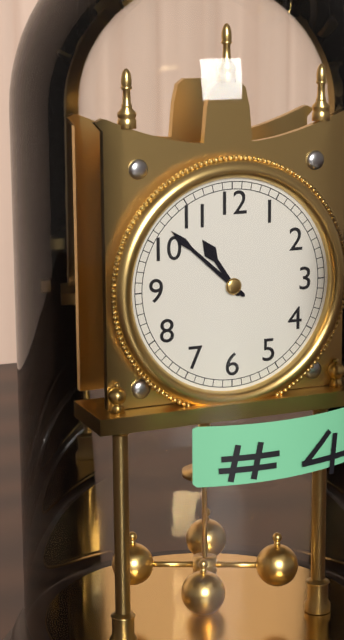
10,52
